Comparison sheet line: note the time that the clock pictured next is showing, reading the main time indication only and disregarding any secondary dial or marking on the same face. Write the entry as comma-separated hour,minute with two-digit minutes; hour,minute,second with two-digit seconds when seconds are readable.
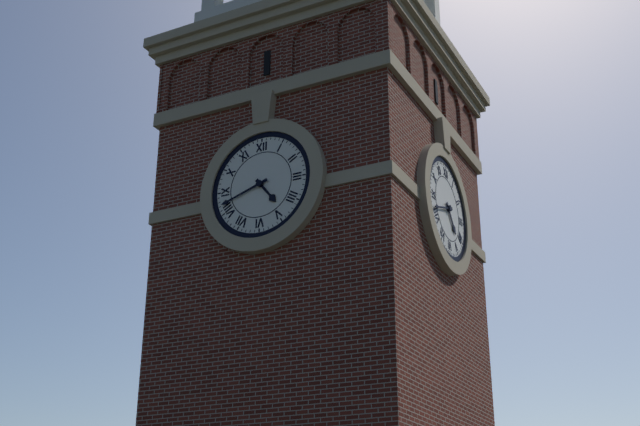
4,42
